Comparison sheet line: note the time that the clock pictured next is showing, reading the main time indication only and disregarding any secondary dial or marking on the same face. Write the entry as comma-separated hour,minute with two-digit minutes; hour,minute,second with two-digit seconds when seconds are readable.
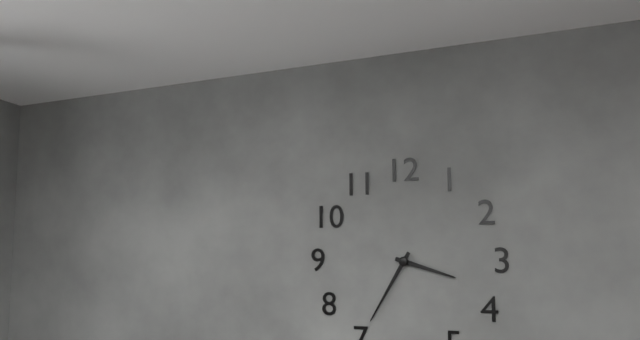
3,35
